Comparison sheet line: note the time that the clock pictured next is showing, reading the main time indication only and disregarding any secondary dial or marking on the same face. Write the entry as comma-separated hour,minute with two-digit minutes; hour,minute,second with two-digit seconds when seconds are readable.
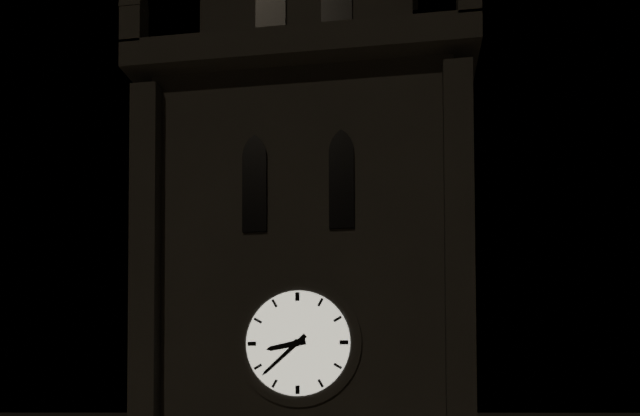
8,38
